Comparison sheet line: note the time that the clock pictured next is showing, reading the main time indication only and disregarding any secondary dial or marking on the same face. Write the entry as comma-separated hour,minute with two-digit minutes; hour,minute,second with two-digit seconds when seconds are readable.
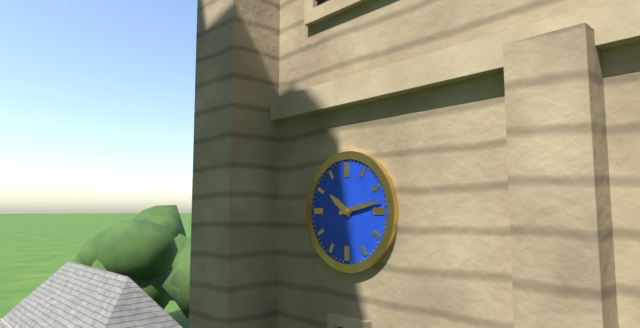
10,13
